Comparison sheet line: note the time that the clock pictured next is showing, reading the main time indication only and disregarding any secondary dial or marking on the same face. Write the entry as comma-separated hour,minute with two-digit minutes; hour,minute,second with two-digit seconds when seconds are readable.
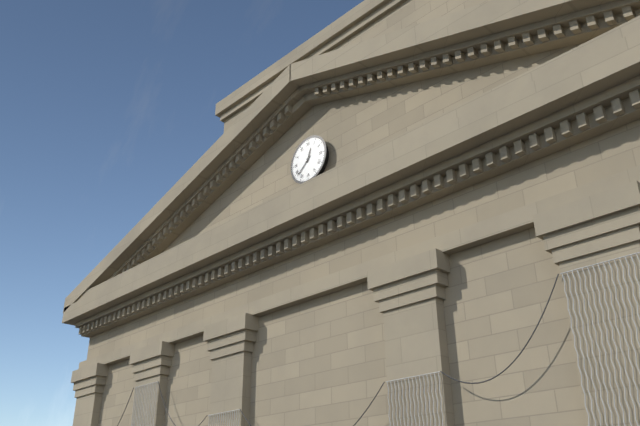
12,38
